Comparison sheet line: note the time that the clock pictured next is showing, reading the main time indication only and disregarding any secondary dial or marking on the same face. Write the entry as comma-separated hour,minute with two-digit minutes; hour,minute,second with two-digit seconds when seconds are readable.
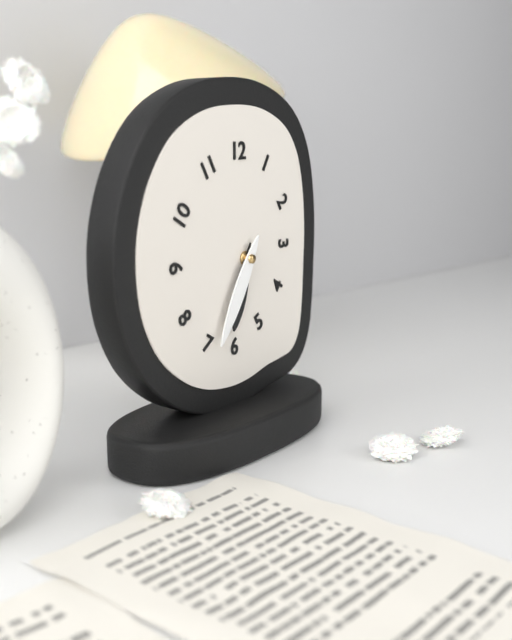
6,35
